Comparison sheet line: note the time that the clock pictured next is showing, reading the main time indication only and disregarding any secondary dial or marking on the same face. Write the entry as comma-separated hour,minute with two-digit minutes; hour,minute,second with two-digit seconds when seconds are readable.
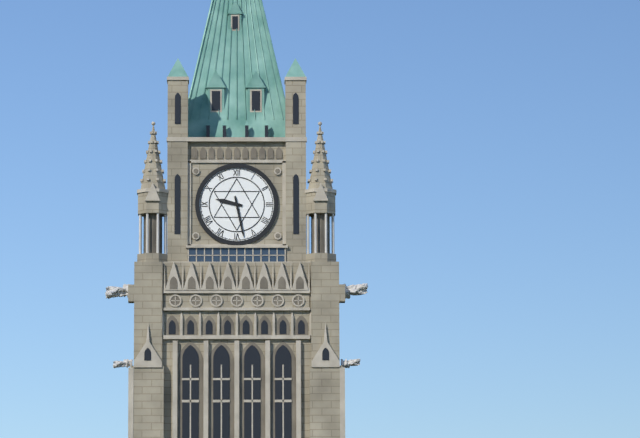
9,28
